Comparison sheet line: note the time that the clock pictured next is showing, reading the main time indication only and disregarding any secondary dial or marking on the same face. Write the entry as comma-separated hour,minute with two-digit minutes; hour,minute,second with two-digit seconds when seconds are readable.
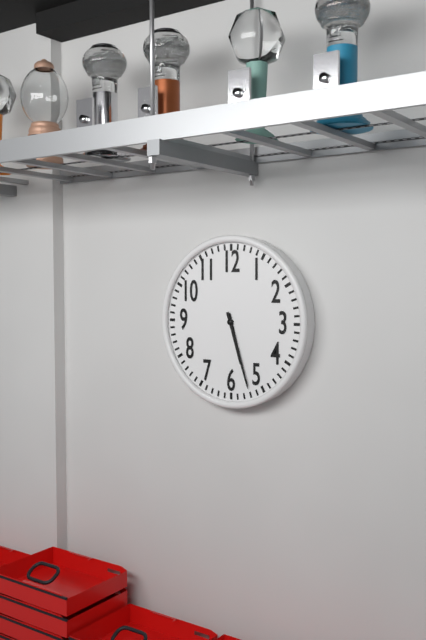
5,27
